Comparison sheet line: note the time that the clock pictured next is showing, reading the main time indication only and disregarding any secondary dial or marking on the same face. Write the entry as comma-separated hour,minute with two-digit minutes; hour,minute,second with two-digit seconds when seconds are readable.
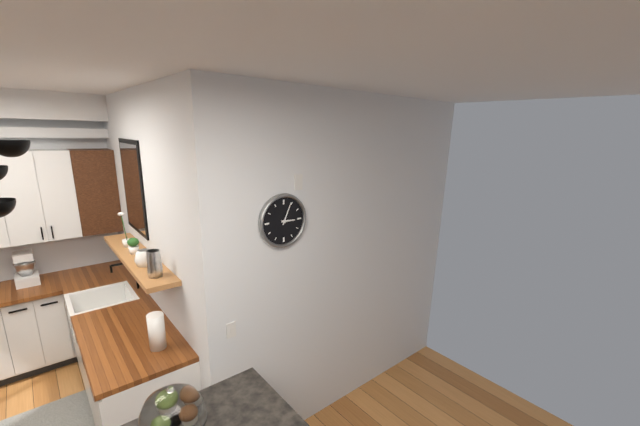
3,04
